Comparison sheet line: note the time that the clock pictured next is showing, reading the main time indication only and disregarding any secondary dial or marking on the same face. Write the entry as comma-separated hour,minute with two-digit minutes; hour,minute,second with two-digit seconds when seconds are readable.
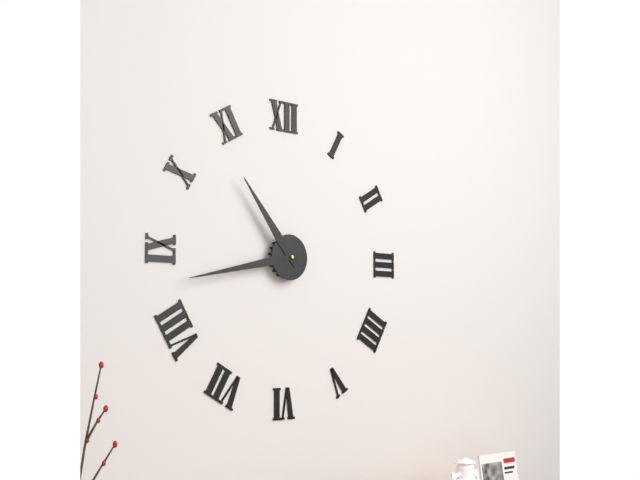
10,43
